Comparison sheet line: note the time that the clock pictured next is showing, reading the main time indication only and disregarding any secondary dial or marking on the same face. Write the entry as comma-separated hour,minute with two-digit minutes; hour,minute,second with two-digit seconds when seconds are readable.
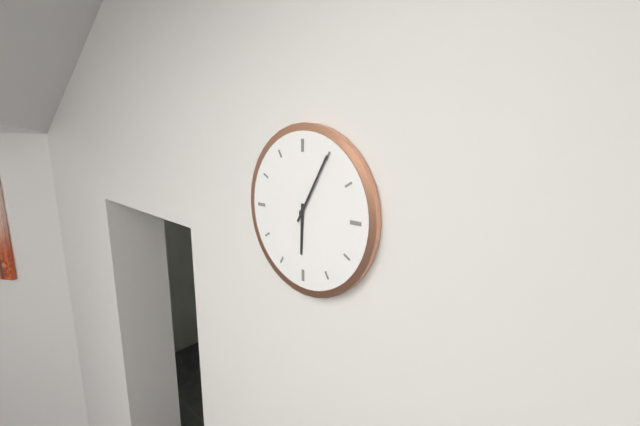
6,05
